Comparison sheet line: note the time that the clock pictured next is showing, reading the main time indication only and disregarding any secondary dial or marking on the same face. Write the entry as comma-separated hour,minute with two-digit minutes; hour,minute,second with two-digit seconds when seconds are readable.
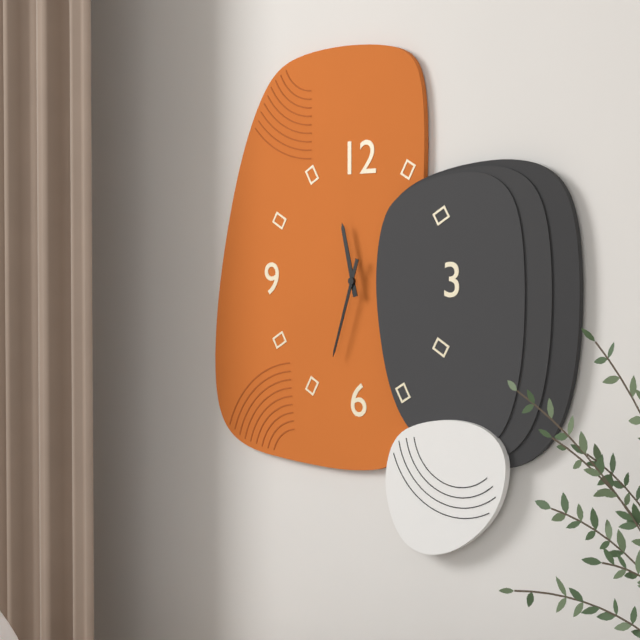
11,33
